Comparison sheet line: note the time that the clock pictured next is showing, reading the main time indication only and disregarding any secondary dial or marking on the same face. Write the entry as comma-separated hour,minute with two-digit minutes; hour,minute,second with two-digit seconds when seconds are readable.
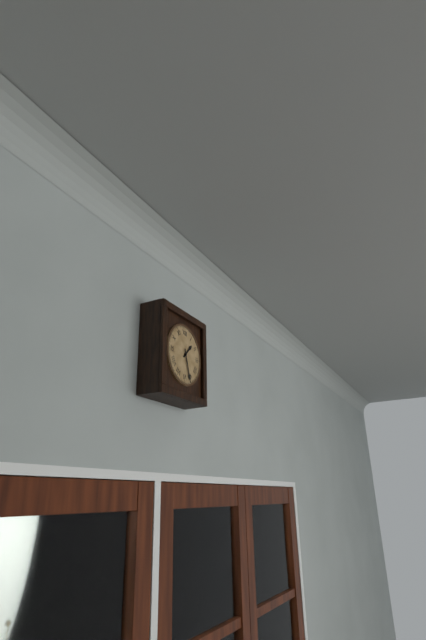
1,27
